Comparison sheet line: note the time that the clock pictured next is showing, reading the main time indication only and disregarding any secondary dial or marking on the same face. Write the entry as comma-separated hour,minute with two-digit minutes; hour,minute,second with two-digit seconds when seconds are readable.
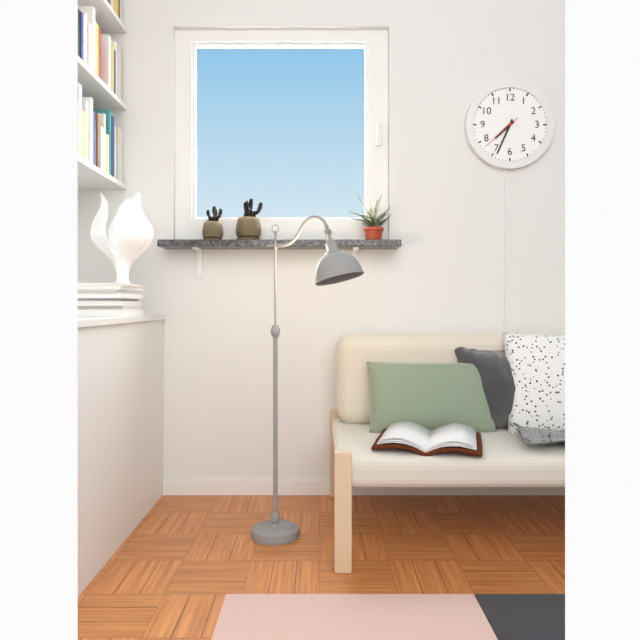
7,34
